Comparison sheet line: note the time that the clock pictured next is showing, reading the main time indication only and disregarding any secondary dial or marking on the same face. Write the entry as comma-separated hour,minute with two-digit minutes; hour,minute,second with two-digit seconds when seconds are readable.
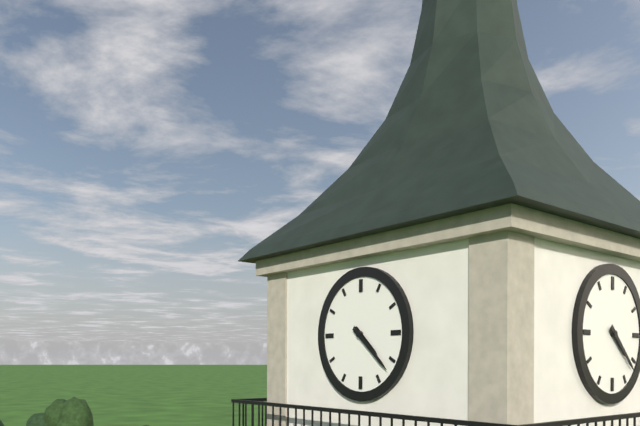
4,22
